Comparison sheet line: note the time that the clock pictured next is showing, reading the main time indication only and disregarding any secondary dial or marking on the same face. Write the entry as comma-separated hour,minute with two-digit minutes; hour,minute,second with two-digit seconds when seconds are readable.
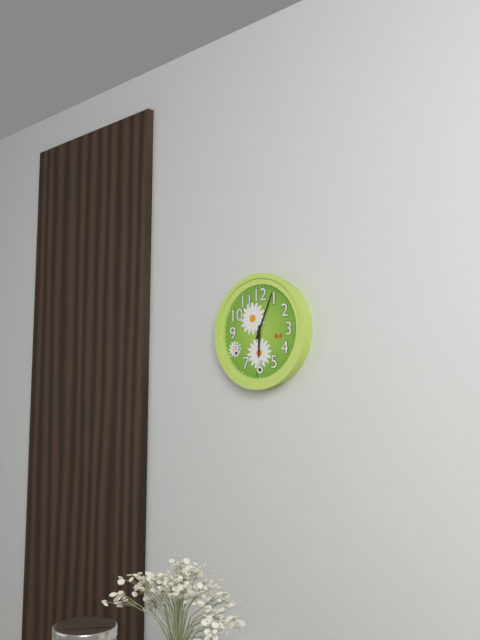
6,04
